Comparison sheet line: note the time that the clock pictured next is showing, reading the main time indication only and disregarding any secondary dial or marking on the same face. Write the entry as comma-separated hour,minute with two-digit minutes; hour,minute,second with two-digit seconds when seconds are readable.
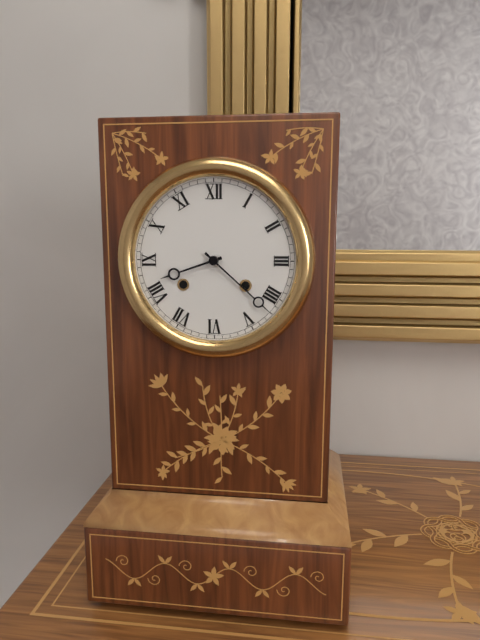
8,22
